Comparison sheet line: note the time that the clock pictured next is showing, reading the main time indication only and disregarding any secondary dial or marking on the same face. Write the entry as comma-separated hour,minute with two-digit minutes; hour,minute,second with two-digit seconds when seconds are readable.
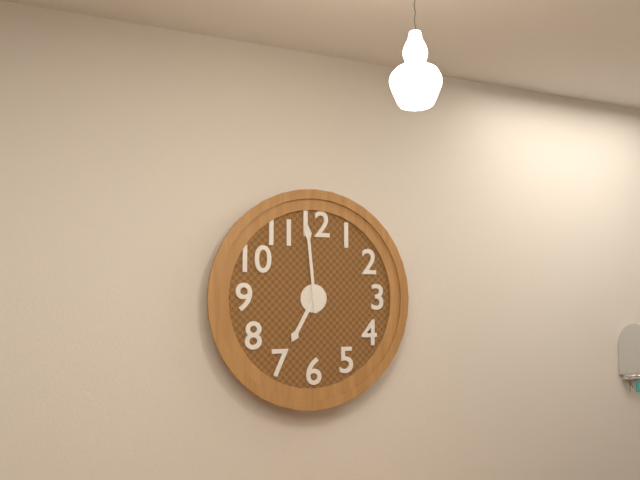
6,59
